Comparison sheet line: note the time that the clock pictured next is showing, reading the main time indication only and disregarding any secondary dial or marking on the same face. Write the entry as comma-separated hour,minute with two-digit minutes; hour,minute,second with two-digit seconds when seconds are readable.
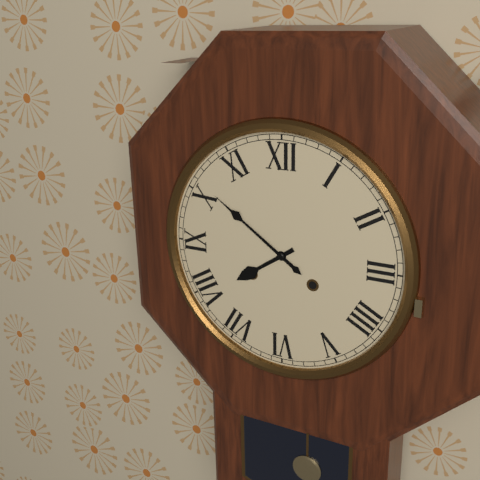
7,51
